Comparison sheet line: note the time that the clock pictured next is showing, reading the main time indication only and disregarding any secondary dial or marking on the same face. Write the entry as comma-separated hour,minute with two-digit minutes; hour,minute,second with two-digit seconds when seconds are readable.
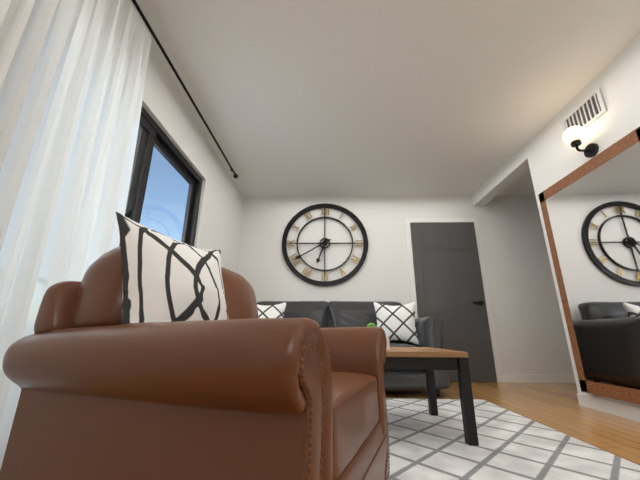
6,40
